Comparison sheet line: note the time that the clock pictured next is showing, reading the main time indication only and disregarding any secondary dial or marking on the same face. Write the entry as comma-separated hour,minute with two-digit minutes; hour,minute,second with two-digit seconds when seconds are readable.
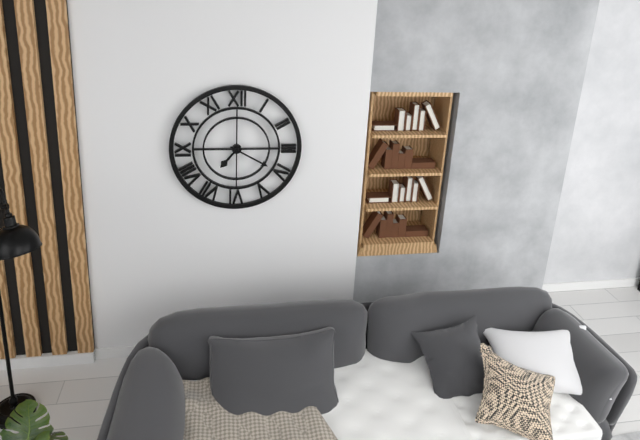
7,20
